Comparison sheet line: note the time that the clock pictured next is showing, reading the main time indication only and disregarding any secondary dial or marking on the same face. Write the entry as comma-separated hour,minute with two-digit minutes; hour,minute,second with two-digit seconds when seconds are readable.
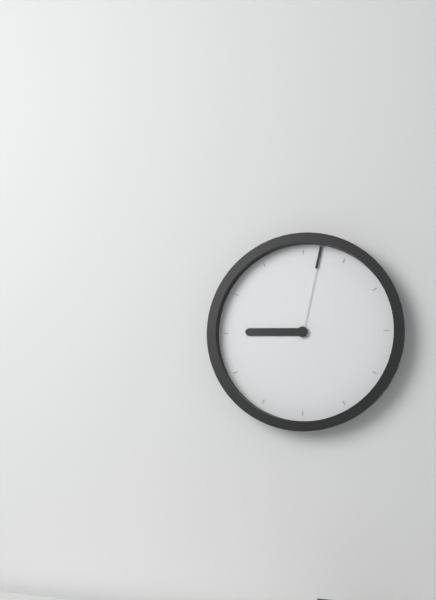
9,02
